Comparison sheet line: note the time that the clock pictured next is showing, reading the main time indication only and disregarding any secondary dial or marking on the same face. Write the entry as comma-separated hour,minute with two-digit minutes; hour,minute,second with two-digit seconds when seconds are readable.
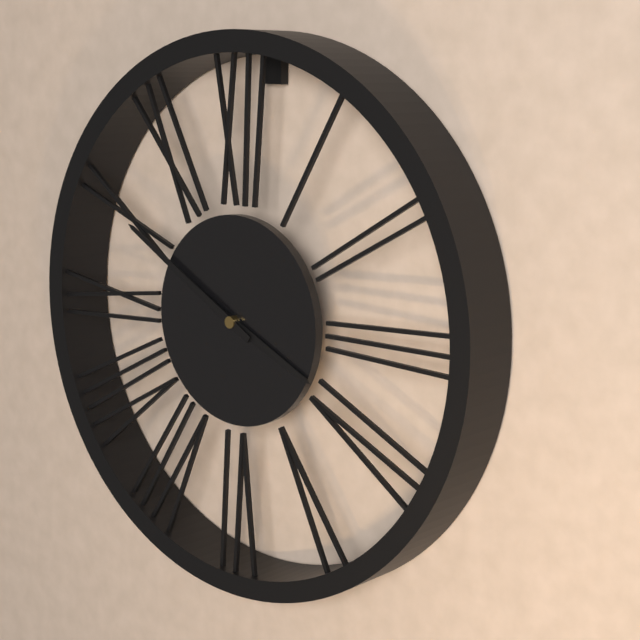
3,50
